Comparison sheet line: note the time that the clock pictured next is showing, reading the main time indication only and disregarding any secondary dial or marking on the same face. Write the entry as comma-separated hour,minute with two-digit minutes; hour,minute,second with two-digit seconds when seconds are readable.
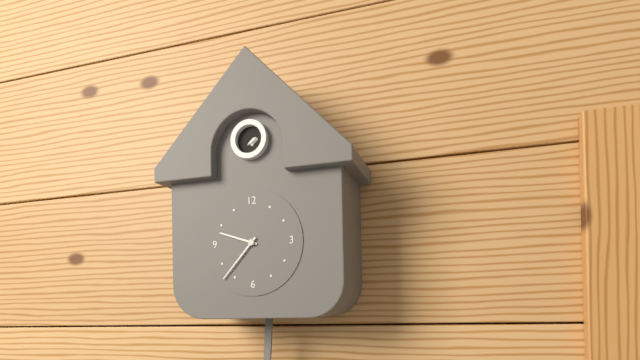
9,37
